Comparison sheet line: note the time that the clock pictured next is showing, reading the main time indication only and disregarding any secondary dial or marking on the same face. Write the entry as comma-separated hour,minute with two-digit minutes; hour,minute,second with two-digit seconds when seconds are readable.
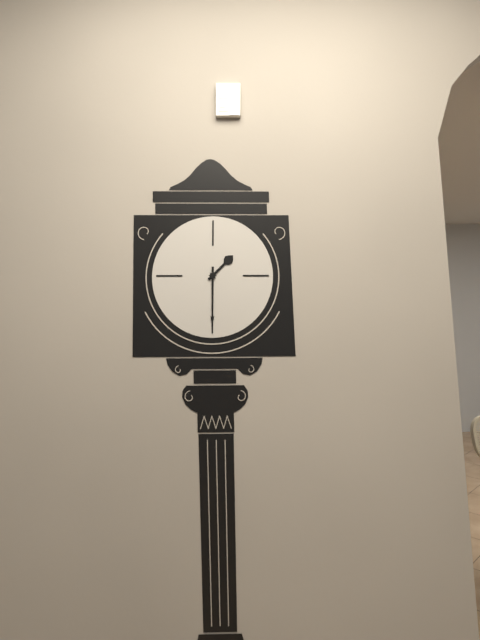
1,30
